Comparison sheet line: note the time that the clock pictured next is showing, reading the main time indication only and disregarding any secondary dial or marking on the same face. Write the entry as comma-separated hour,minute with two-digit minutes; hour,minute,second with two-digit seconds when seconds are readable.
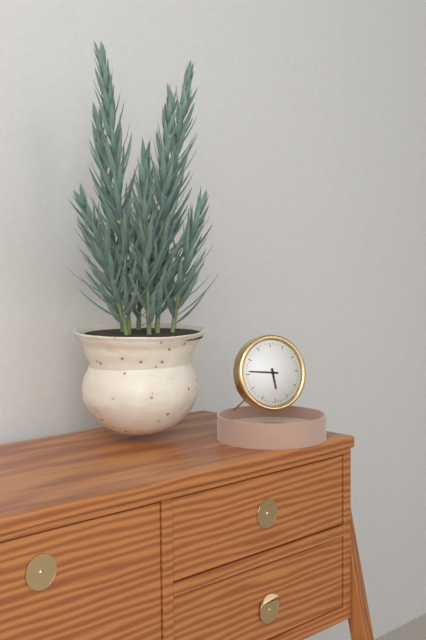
5,46
